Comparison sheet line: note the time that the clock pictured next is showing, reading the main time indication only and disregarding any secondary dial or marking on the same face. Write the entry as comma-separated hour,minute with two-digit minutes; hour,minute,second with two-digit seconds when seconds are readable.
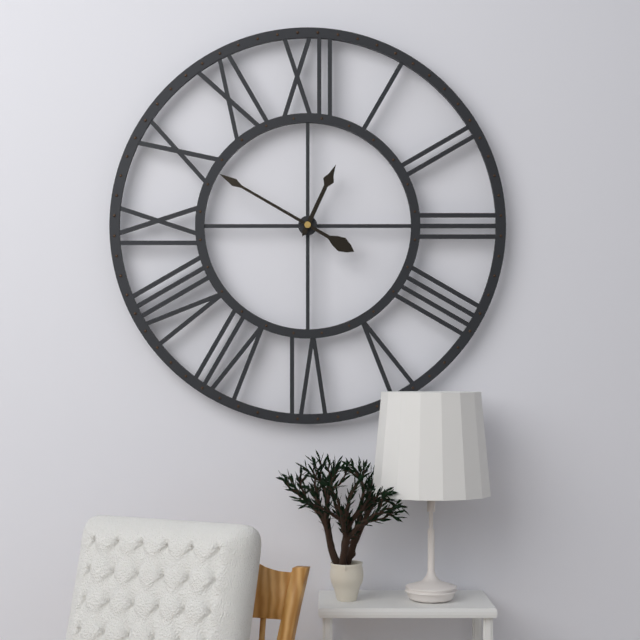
12,50
